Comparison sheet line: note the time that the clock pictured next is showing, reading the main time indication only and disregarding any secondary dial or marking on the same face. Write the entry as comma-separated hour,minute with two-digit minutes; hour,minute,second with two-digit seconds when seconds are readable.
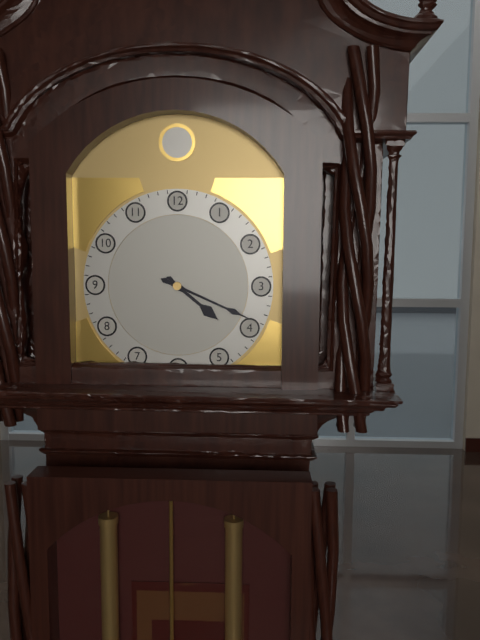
4,19
